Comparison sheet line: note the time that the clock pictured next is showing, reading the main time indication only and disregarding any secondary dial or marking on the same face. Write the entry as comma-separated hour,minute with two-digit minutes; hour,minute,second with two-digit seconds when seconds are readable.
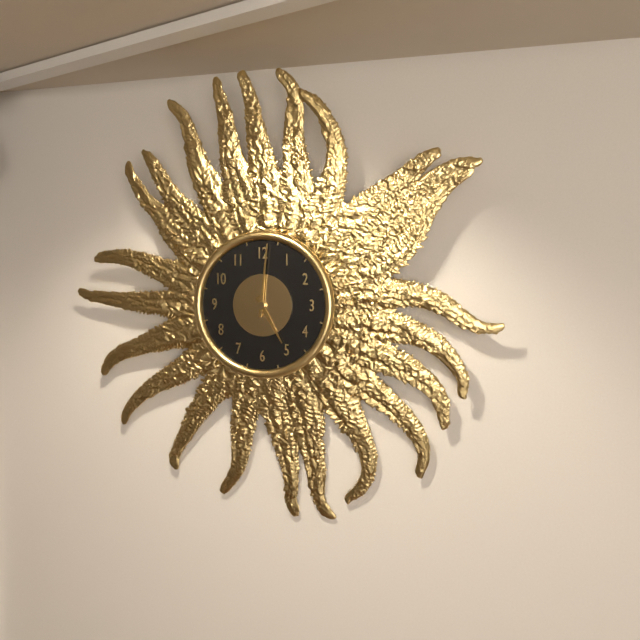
5,01
